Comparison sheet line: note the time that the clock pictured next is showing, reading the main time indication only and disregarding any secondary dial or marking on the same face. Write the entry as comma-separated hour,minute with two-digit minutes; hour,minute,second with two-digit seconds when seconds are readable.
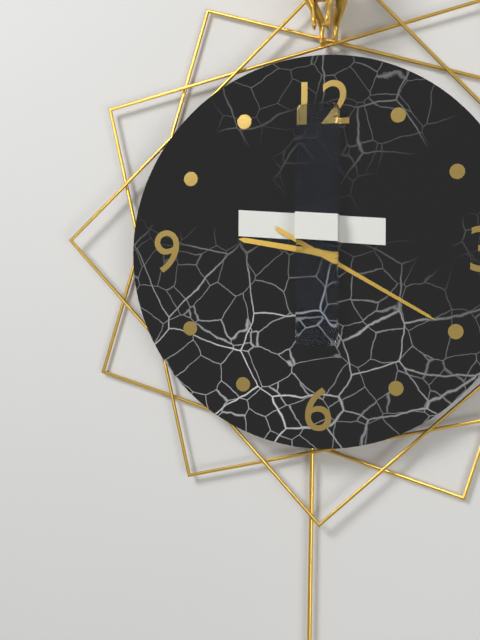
9,20
